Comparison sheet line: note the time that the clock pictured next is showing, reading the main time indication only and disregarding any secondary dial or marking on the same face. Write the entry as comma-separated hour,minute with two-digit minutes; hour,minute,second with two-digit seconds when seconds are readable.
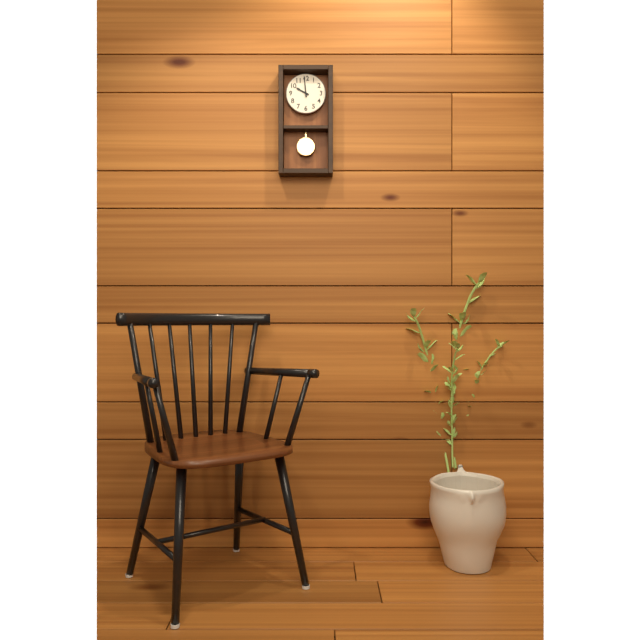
9,59
